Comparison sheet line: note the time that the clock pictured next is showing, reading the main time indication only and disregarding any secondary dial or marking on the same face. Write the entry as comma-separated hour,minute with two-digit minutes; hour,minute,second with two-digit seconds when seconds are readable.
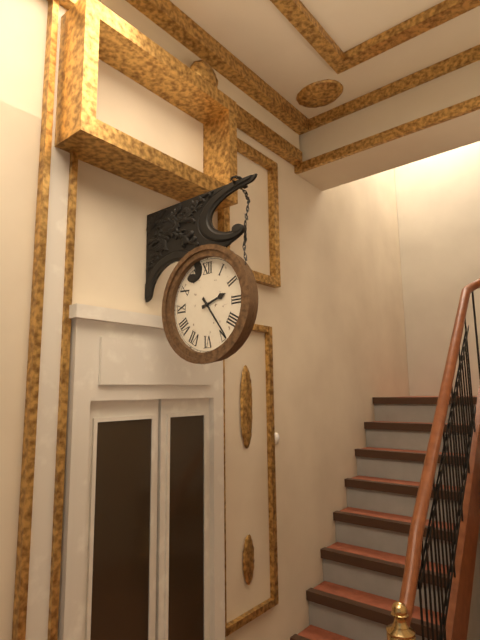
2,24
